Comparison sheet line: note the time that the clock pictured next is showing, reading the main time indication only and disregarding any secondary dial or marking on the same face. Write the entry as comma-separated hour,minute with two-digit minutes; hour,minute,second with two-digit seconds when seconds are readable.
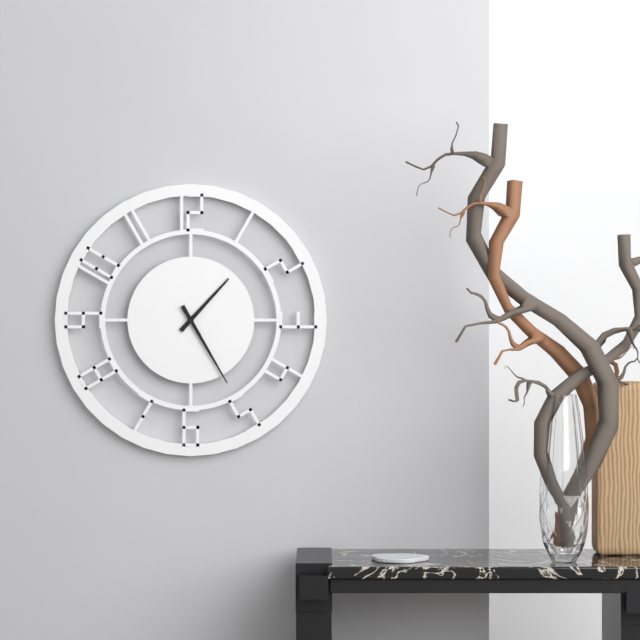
1,25
